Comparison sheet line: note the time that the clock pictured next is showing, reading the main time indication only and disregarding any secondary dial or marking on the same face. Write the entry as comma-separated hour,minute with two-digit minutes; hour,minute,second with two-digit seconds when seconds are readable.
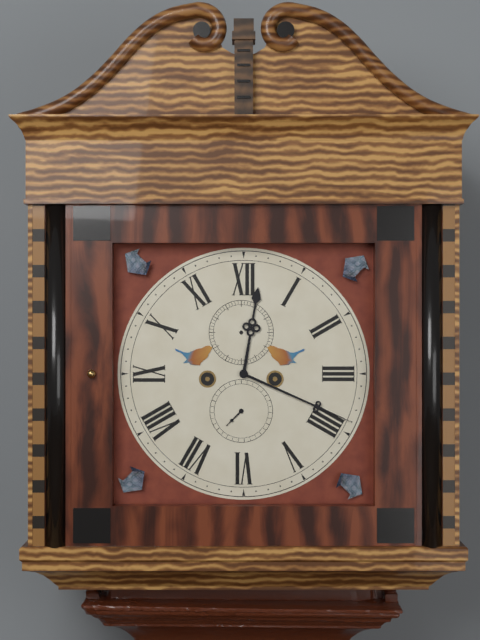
12,19
